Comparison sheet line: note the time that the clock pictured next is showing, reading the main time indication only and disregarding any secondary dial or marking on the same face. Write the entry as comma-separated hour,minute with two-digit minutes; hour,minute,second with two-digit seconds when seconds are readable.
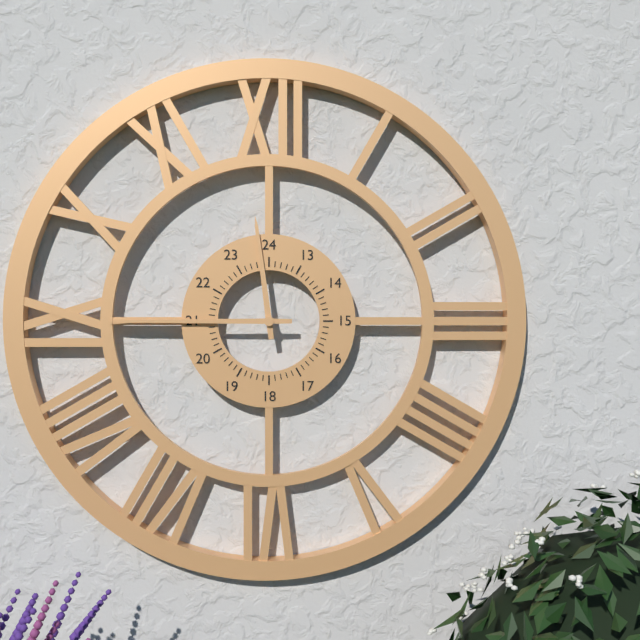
11,45
